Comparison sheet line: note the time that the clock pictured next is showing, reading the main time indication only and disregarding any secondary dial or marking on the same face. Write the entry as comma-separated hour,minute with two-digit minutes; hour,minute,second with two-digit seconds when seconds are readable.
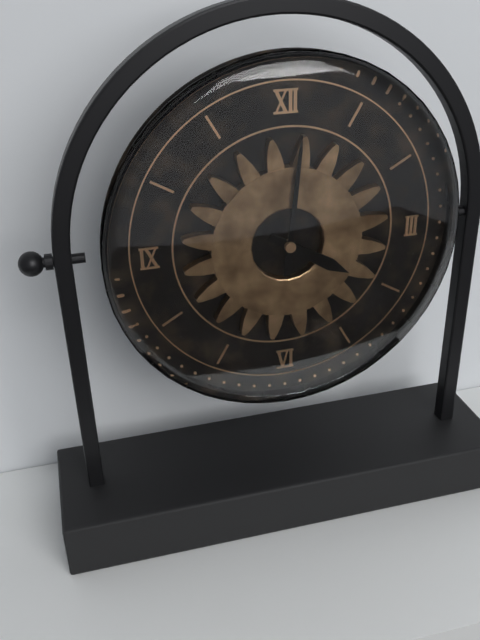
4,01
